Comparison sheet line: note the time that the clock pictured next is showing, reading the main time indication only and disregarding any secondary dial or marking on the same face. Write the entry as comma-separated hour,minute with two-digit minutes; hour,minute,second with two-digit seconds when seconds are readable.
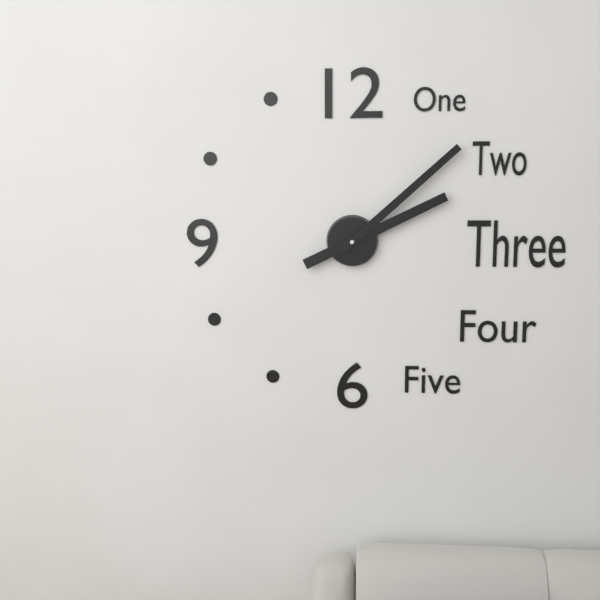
2,08
